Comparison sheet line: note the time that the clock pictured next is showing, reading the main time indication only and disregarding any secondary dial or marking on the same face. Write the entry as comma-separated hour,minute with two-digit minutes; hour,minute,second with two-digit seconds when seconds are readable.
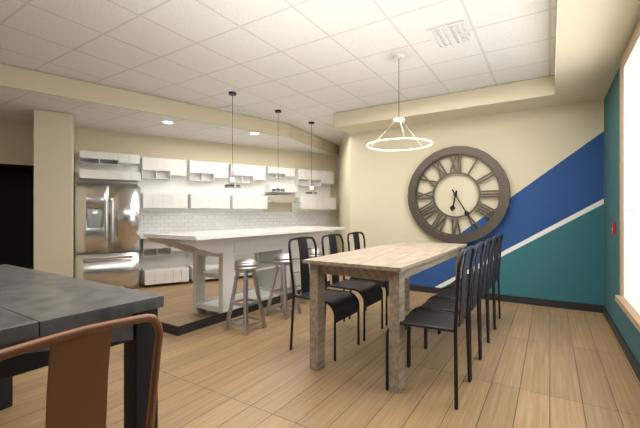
6,25
